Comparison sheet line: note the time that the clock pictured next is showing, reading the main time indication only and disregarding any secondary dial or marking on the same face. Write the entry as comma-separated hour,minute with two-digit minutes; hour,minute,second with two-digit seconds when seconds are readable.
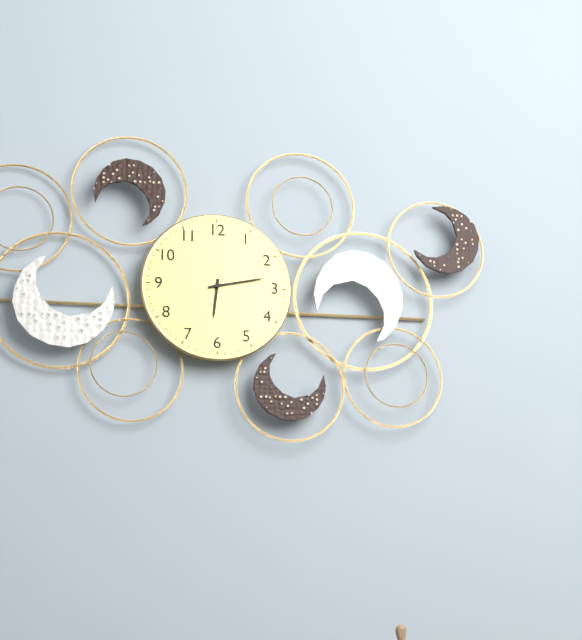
6,13
